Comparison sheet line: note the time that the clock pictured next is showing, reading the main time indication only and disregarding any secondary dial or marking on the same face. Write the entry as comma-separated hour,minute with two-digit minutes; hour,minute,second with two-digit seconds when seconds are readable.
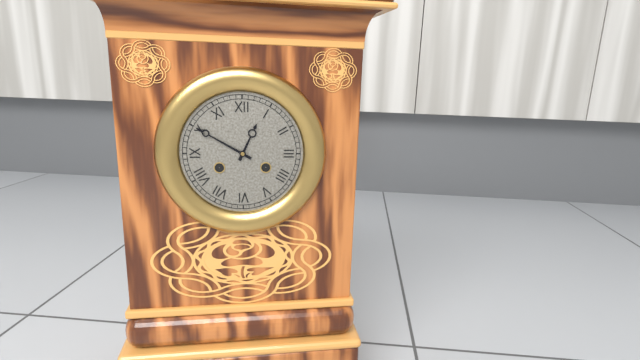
12,50
